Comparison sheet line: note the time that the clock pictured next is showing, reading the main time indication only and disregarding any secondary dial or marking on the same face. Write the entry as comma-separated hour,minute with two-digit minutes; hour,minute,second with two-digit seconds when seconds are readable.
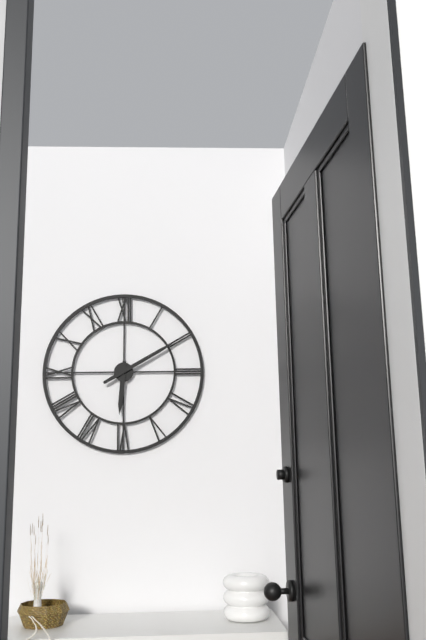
6,10
